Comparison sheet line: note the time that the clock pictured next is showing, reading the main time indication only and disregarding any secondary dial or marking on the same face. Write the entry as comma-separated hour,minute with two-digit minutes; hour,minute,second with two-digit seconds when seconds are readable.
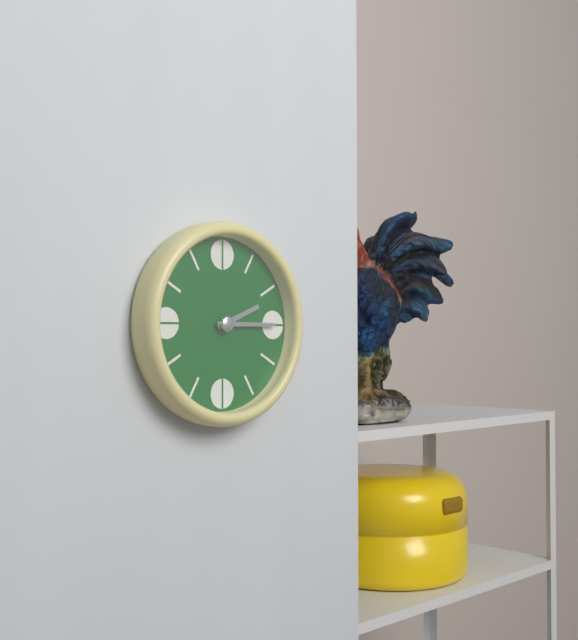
2,15
